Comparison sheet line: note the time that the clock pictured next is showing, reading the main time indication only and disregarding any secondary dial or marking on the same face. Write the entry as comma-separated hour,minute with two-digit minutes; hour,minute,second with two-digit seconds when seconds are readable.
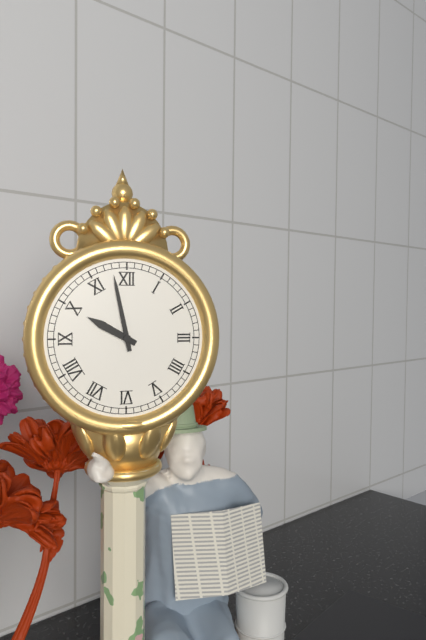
9,58
